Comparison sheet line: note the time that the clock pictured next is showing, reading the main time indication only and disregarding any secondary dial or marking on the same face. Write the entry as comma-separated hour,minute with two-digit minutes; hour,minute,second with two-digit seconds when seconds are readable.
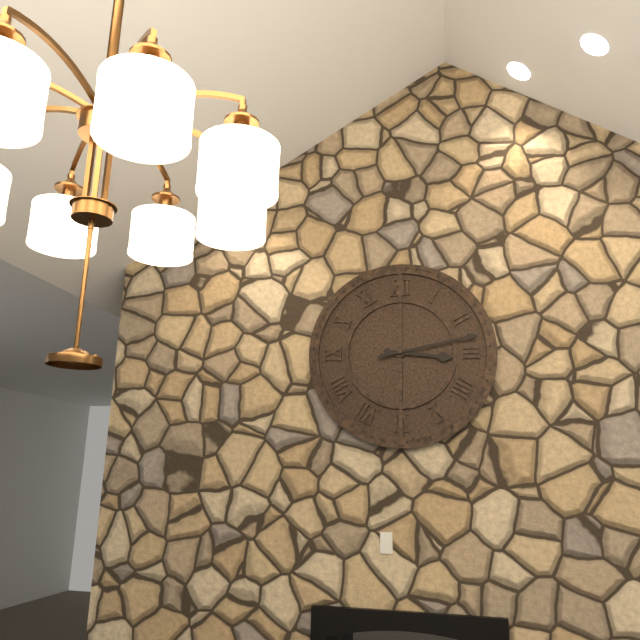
3,13
